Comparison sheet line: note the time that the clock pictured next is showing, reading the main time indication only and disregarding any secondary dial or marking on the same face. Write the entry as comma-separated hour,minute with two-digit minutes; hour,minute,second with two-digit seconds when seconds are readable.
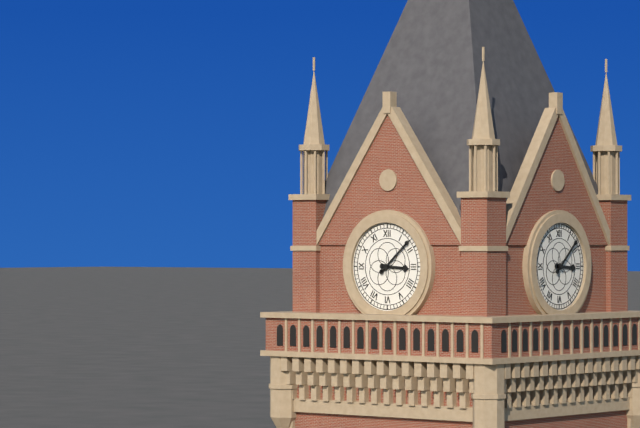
3,08
